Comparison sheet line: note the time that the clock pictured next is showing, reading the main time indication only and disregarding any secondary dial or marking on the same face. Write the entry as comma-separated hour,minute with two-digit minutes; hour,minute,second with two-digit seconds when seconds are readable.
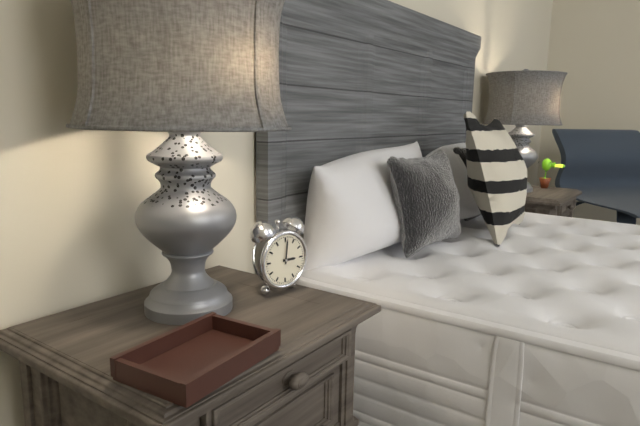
3,01
